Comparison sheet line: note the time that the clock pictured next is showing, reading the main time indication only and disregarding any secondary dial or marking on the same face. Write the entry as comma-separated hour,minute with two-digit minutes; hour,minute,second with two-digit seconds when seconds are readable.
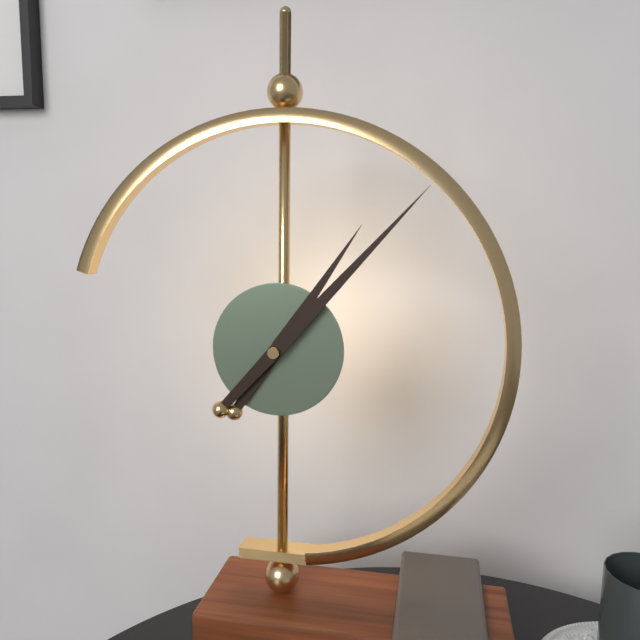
1,07
